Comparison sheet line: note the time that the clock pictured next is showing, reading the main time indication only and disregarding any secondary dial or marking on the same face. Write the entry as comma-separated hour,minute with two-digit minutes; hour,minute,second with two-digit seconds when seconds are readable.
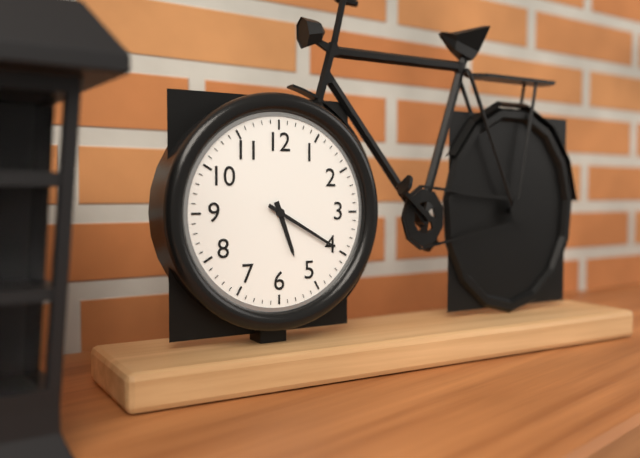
5,20
